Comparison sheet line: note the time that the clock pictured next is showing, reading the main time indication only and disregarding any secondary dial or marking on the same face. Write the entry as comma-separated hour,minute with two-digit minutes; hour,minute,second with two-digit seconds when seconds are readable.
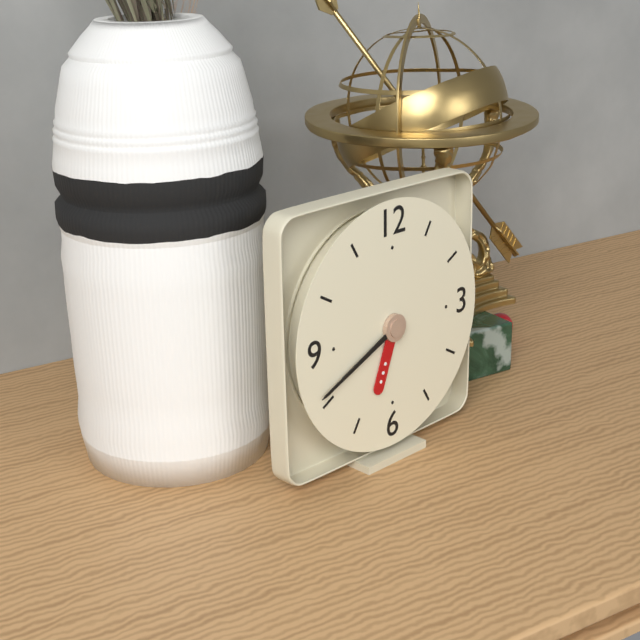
6,41
